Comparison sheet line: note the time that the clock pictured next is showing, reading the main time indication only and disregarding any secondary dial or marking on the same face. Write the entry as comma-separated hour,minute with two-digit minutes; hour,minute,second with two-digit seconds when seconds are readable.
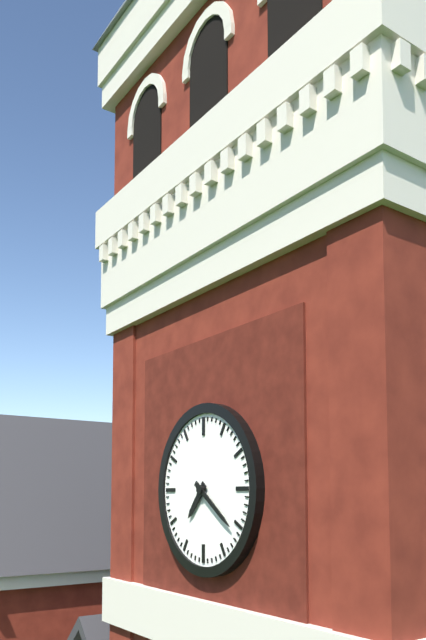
7,21
